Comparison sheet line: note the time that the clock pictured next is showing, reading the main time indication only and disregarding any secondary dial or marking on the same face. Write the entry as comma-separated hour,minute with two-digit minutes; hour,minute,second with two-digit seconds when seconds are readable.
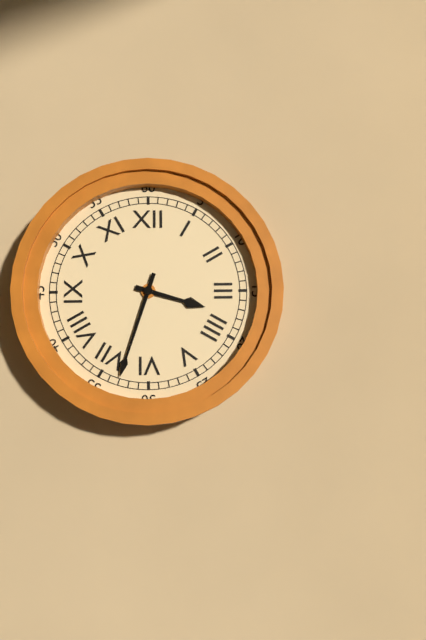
3,33
